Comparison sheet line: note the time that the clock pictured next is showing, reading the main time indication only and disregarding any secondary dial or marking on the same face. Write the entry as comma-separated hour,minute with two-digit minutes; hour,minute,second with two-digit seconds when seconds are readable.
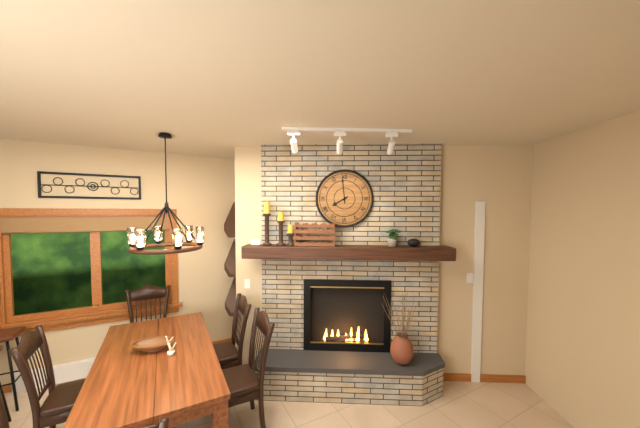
7,59
